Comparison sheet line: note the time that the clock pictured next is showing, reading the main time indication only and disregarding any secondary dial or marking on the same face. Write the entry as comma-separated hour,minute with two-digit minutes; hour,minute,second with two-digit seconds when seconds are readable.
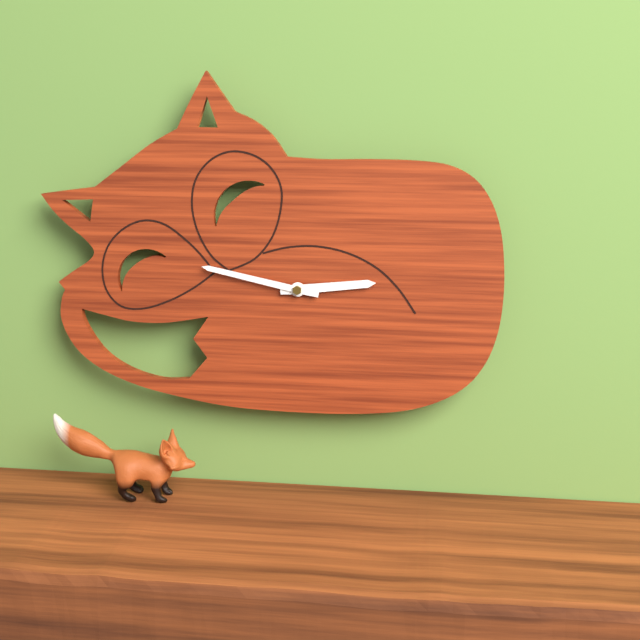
2,47
